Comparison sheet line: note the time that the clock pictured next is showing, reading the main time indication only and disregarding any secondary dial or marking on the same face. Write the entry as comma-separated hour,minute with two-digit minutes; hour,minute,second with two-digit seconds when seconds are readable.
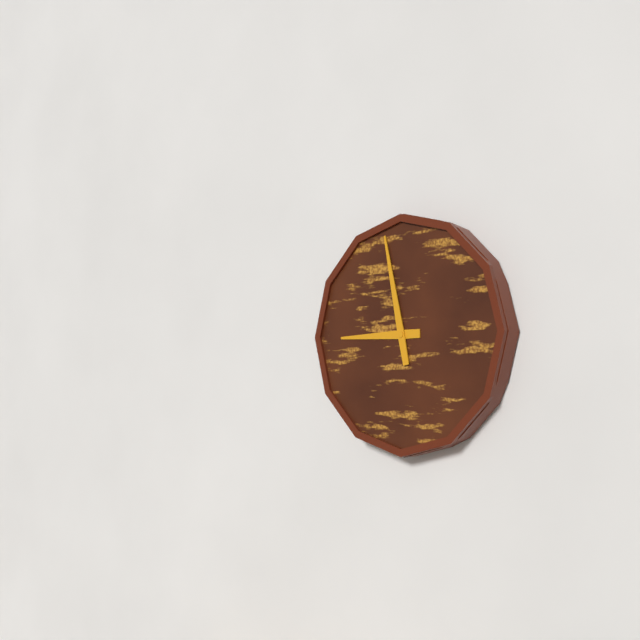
8,58
